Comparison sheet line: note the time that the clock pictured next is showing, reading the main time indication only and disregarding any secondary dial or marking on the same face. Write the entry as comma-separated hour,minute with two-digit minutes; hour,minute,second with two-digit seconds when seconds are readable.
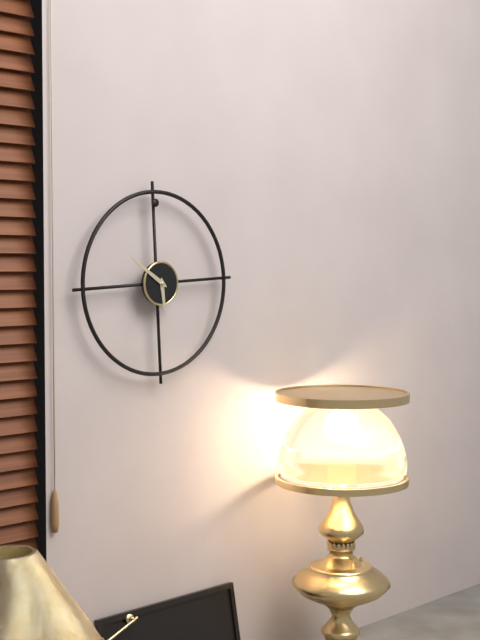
5,51
